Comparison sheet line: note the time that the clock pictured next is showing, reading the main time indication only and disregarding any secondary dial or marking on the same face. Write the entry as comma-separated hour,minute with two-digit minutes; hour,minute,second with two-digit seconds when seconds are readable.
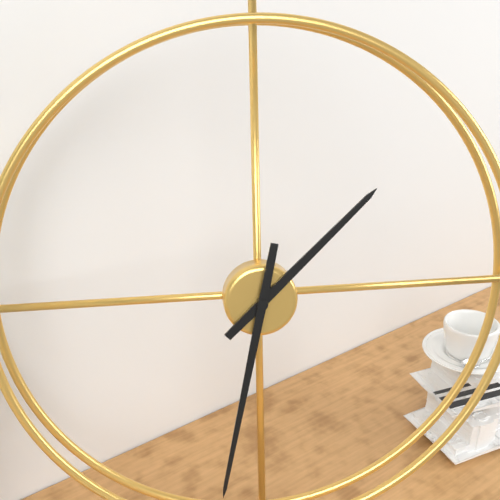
1,32
